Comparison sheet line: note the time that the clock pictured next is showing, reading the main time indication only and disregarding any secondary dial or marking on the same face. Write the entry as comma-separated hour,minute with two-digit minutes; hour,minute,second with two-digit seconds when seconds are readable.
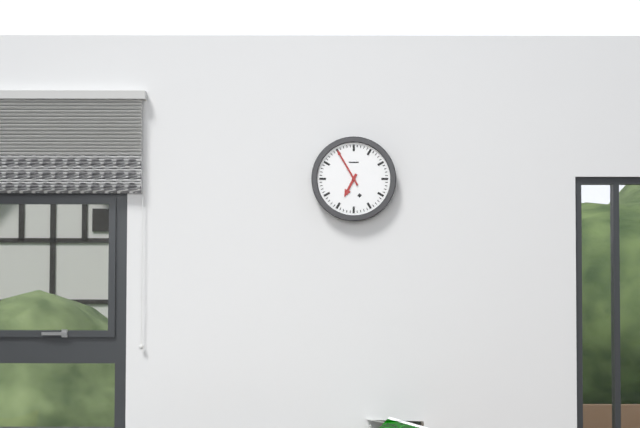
6,55
